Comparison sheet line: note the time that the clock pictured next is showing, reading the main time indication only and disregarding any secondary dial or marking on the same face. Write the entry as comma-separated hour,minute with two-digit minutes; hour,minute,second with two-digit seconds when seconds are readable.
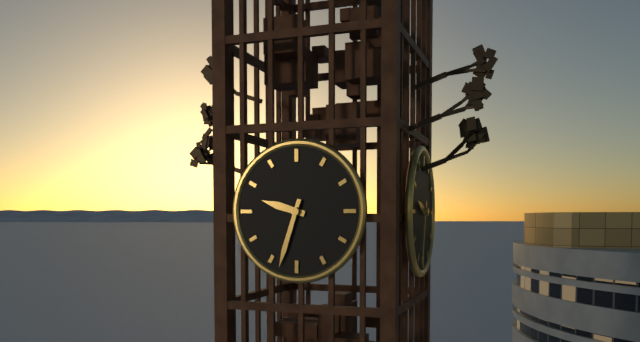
9,33
